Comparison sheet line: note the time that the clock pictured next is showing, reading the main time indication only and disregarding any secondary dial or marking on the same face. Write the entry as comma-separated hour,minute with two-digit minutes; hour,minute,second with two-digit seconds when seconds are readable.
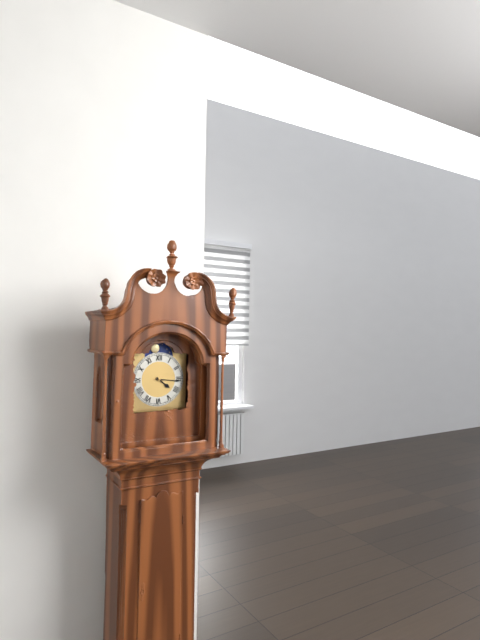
4,16
